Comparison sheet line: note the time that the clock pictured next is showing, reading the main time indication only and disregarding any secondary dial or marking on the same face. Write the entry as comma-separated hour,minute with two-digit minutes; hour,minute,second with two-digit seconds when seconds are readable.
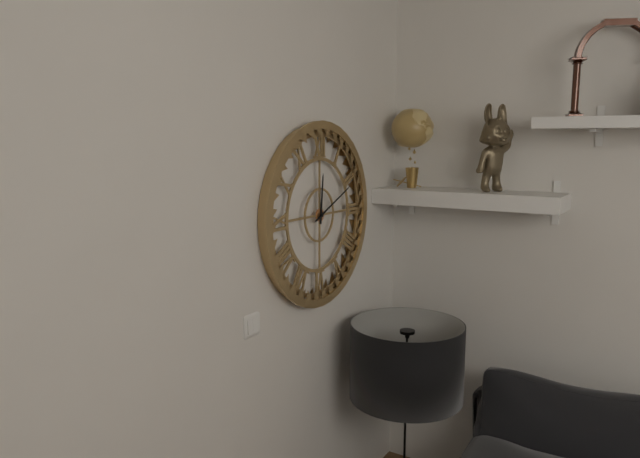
12,11
